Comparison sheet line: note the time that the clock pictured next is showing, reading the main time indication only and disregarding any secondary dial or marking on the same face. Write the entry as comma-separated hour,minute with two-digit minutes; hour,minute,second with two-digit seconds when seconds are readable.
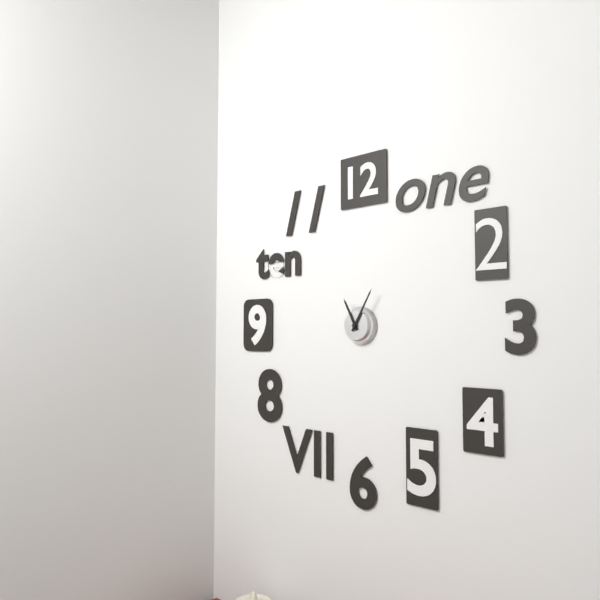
11,05
